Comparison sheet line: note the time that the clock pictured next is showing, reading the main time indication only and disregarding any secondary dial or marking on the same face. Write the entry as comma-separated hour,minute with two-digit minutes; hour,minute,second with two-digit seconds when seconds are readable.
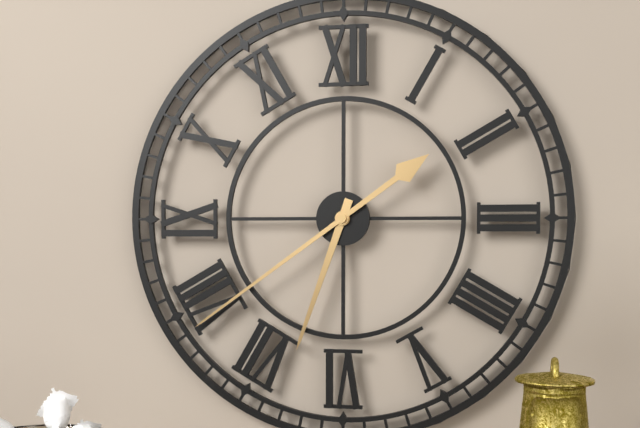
6,39
